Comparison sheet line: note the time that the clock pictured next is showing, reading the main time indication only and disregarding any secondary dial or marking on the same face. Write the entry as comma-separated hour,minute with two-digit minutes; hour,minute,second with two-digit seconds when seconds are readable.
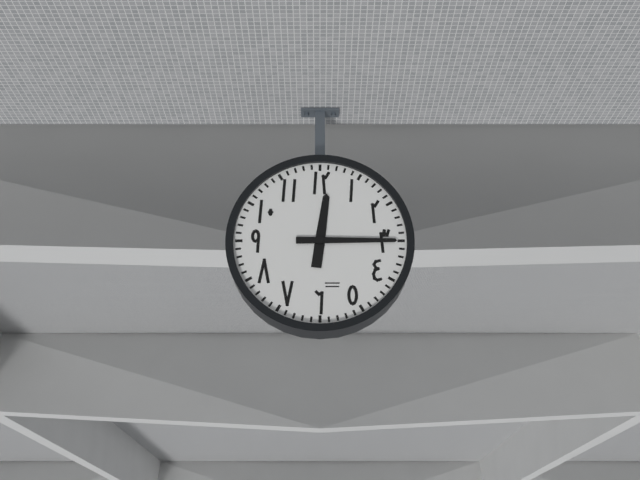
12,15
